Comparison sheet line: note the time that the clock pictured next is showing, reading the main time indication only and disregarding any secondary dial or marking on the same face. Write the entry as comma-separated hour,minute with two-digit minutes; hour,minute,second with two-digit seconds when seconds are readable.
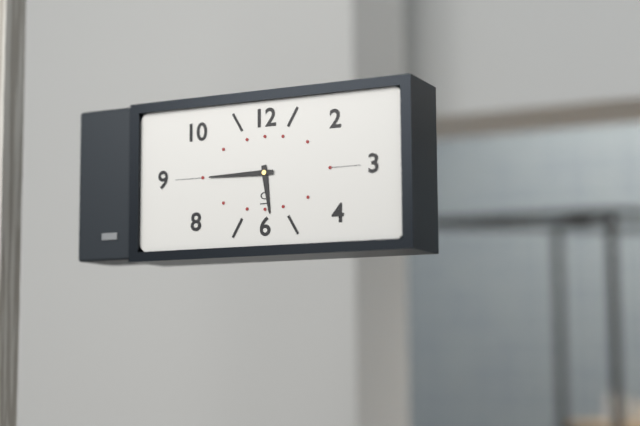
5,45
